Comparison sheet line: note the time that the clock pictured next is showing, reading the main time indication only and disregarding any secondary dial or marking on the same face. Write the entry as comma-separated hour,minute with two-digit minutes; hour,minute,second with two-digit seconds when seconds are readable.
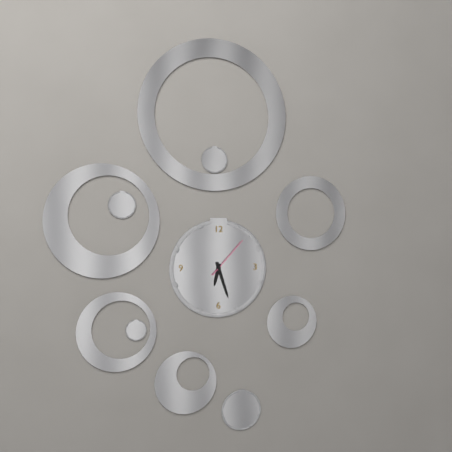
6,27
